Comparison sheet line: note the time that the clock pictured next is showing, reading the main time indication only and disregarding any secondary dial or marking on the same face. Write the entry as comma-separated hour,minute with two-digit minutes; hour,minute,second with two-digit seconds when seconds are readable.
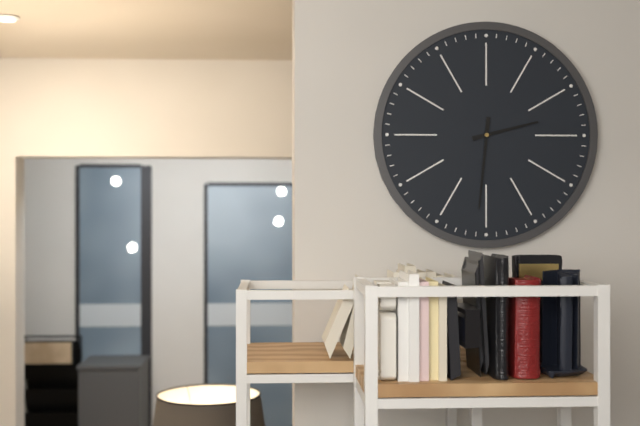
2,31
